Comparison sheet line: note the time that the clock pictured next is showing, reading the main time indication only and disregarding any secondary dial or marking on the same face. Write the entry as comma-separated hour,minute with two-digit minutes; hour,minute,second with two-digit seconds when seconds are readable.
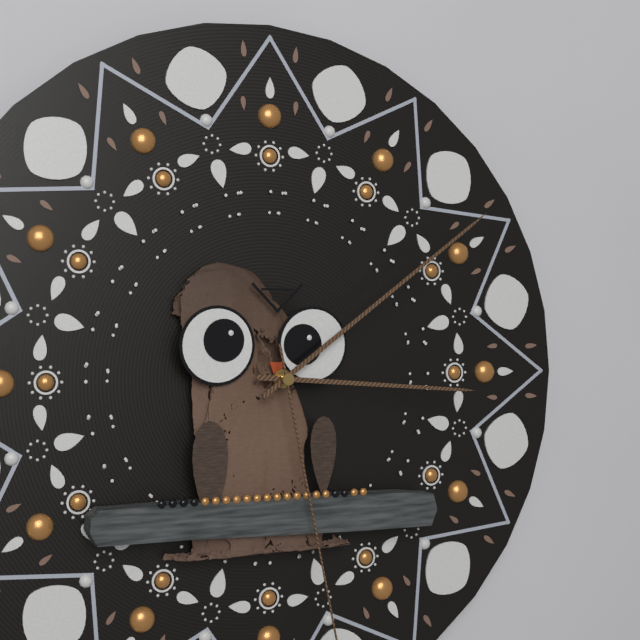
3,09
